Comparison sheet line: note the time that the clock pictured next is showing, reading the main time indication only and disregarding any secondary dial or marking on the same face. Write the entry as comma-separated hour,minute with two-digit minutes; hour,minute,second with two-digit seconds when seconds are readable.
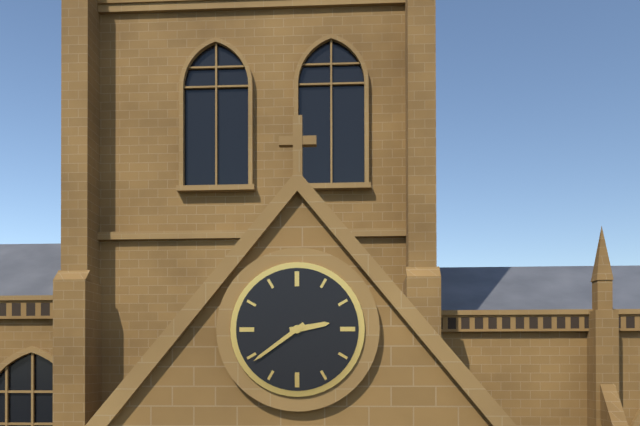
2,39
